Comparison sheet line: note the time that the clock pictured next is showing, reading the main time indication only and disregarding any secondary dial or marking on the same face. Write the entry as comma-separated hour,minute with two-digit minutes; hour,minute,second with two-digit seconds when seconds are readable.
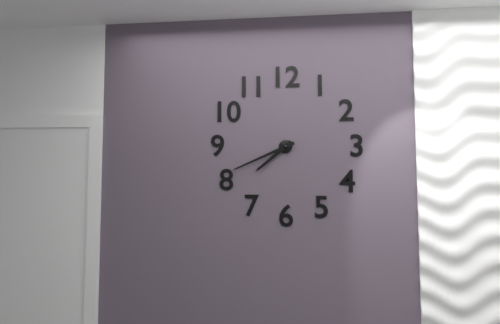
7,41
